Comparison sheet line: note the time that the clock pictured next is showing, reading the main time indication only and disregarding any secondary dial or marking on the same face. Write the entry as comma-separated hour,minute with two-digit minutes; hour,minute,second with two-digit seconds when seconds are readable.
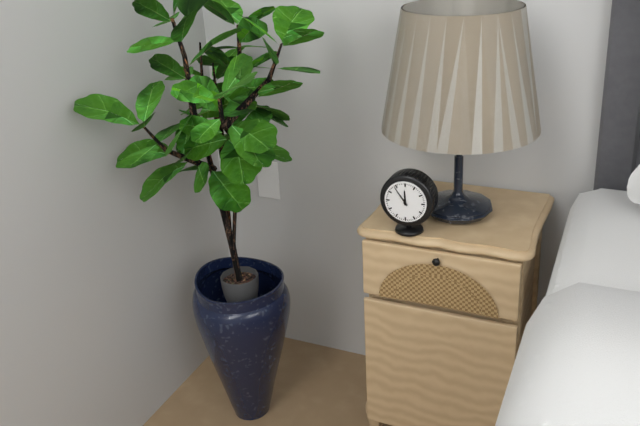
11,54
